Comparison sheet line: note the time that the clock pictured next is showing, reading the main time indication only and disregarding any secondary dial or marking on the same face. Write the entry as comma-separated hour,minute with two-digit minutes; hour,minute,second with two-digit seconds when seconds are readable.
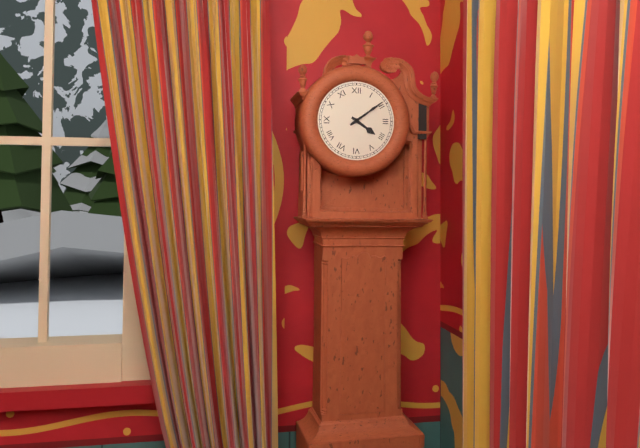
4,09
